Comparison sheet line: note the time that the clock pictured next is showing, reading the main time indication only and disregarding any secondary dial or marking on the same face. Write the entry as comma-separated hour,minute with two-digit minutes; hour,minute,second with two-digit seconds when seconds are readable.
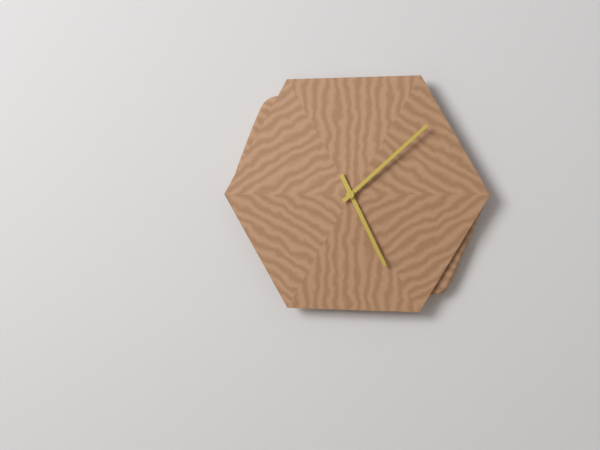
5,08
